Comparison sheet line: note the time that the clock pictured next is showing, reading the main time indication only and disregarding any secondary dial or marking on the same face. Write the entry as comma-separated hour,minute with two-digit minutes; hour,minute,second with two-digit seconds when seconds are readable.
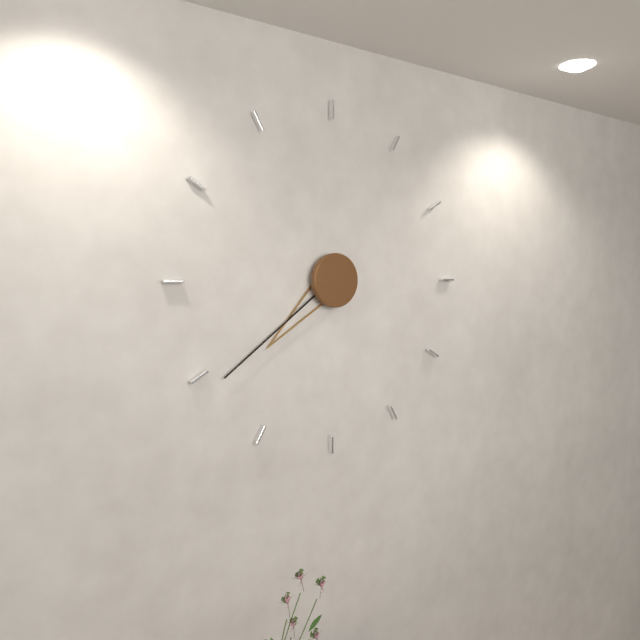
7,39
